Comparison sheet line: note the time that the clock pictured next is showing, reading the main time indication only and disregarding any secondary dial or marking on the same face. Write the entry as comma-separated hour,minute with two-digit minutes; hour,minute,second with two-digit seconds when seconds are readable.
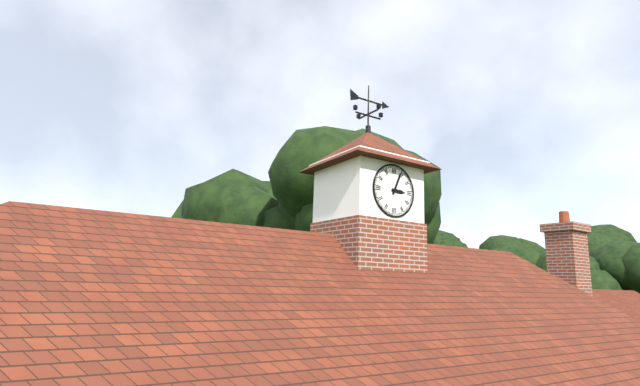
3,04
